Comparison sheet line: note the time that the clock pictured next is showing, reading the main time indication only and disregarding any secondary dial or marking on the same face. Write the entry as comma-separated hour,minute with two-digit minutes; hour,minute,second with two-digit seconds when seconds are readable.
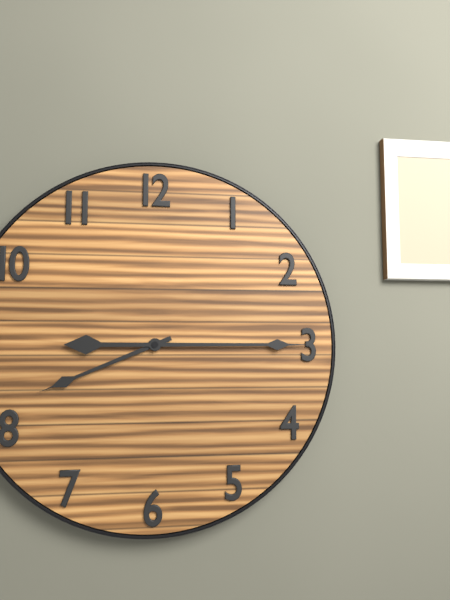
8,15
